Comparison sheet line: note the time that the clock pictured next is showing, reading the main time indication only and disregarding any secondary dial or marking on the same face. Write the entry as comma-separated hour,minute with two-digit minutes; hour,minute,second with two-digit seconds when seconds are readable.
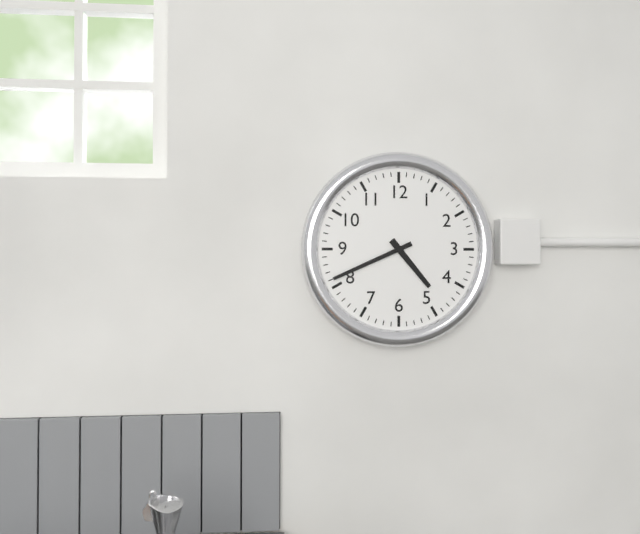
4,41
